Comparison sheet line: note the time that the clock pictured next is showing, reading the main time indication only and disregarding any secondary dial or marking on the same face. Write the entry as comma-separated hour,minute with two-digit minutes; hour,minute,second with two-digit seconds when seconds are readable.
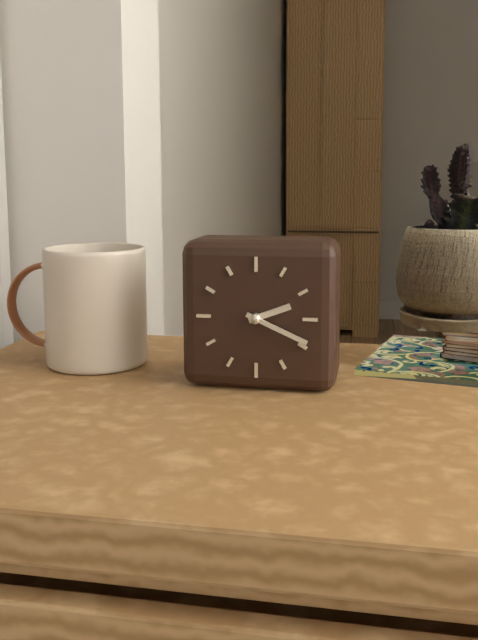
2,19
